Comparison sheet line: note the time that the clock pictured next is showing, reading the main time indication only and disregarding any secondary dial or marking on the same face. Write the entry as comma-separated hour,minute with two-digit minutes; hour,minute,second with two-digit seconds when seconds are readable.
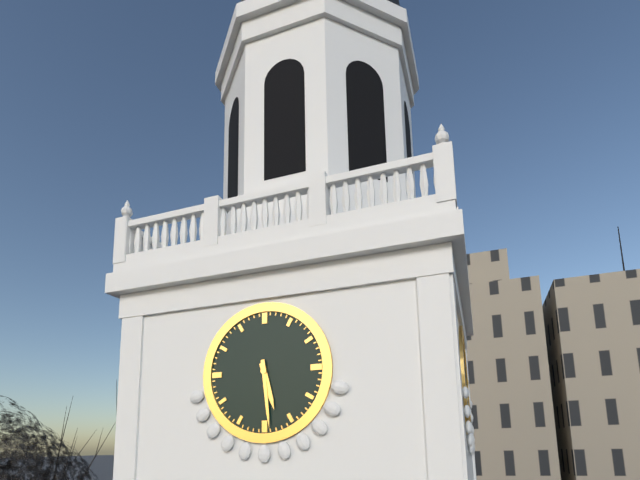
5,29
